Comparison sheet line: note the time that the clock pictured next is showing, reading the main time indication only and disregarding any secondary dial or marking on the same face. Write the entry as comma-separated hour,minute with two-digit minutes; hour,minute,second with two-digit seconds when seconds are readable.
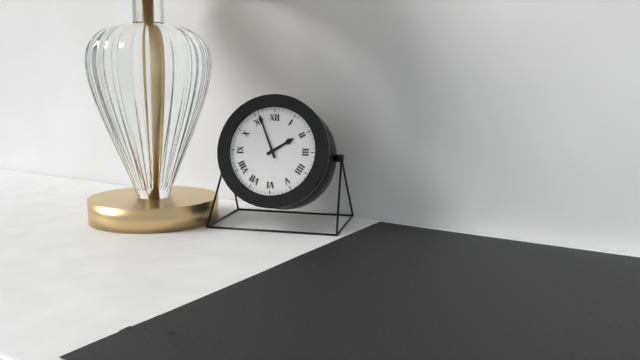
1,56
